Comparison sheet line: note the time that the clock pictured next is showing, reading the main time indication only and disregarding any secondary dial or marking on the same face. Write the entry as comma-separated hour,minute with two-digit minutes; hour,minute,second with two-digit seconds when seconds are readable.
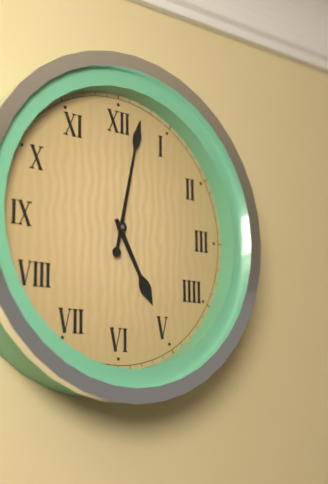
5,02
